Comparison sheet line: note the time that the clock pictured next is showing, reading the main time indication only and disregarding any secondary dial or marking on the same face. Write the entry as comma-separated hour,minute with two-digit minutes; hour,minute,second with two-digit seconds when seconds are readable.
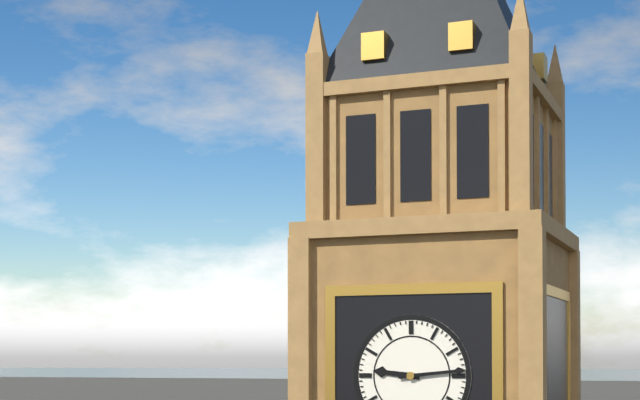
9,14
